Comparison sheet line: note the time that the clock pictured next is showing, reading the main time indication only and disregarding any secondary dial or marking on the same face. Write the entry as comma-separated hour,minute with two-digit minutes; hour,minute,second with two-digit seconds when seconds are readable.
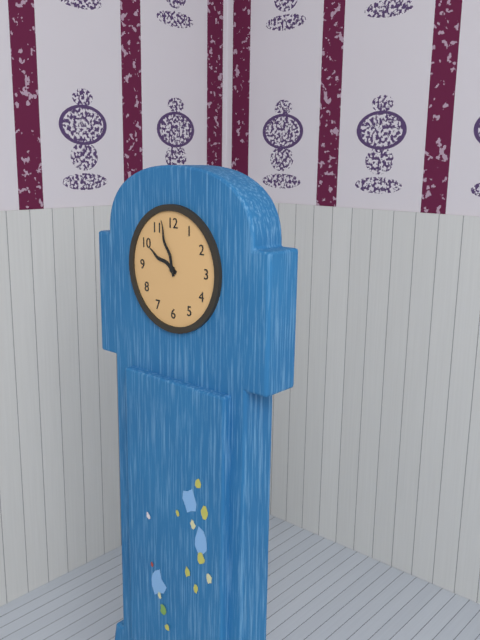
9,57
